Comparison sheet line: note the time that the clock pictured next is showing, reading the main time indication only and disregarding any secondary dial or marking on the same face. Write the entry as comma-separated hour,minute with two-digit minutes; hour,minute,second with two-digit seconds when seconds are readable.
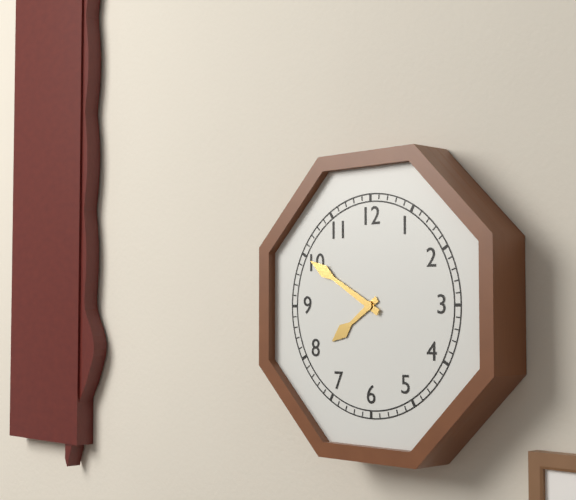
7,50
